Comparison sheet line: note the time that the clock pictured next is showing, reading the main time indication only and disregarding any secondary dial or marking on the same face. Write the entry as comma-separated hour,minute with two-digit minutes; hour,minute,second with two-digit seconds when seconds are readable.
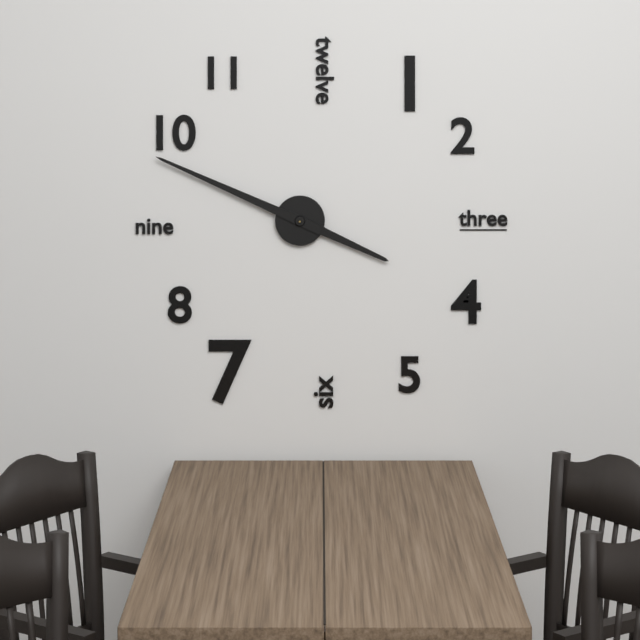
3,49
